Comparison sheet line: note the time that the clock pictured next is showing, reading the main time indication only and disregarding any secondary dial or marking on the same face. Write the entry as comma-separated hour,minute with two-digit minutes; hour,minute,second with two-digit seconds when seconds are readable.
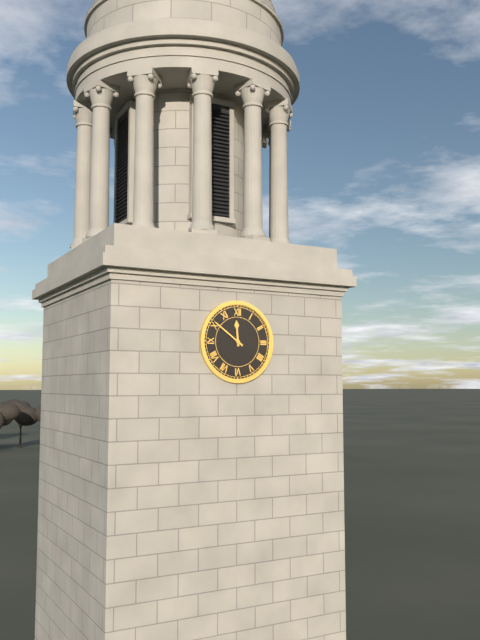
11,51
